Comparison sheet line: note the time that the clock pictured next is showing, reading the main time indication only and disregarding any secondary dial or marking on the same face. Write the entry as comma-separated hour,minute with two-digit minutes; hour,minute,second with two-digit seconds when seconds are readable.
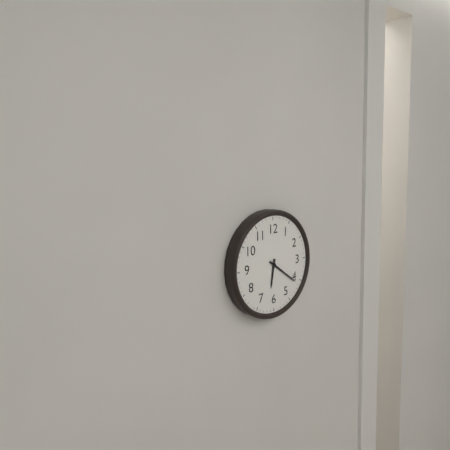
6,21
